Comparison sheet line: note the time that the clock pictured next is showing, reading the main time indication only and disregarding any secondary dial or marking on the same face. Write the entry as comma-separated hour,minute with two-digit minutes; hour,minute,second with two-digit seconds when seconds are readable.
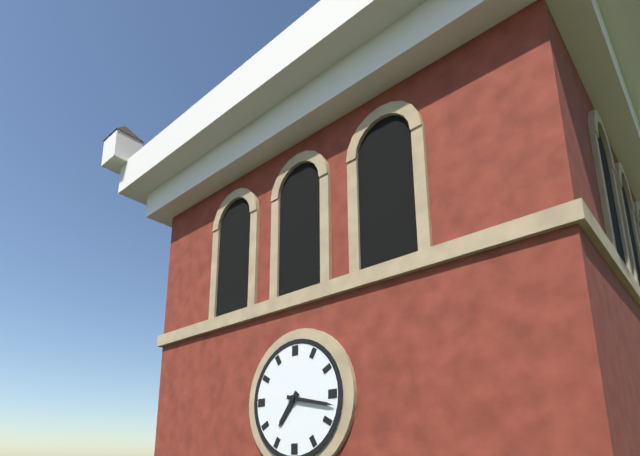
7,17
